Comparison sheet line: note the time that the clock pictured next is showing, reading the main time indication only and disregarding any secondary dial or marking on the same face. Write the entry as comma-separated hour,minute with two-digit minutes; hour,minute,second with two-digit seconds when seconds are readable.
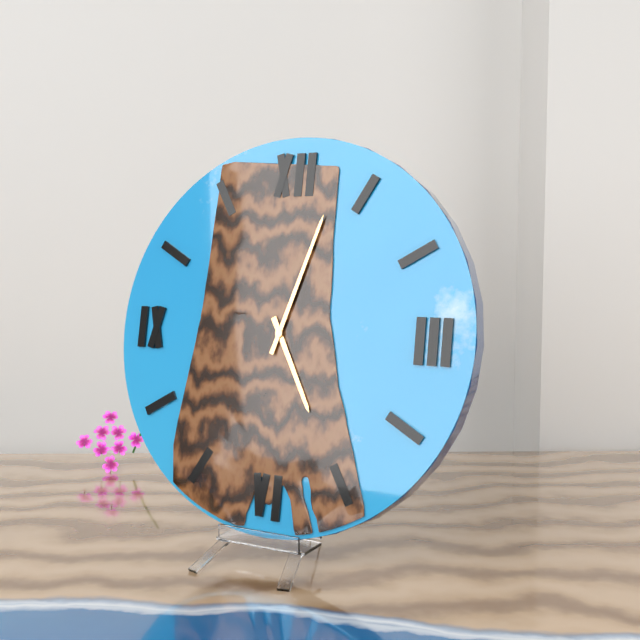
5,03
